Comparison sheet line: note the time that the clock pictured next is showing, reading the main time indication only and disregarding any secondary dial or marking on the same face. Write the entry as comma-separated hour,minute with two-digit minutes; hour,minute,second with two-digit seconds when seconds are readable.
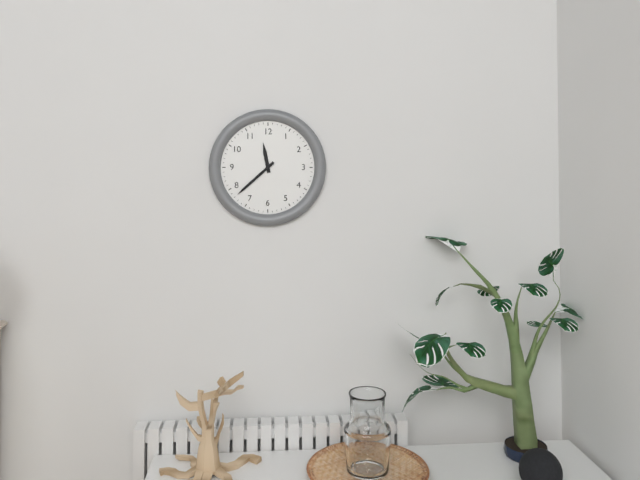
11,38
